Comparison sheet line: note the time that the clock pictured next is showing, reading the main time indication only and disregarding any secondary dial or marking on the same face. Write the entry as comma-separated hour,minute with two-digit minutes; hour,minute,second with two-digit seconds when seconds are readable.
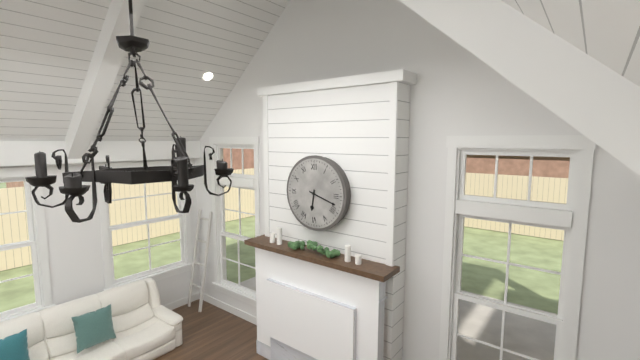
6,18
